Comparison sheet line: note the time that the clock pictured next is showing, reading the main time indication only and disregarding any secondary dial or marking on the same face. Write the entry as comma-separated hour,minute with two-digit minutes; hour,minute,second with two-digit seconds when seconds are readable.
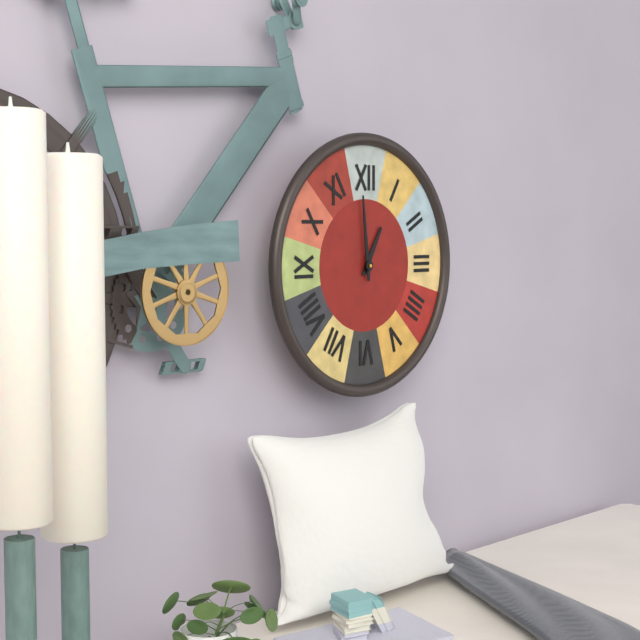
12,59
